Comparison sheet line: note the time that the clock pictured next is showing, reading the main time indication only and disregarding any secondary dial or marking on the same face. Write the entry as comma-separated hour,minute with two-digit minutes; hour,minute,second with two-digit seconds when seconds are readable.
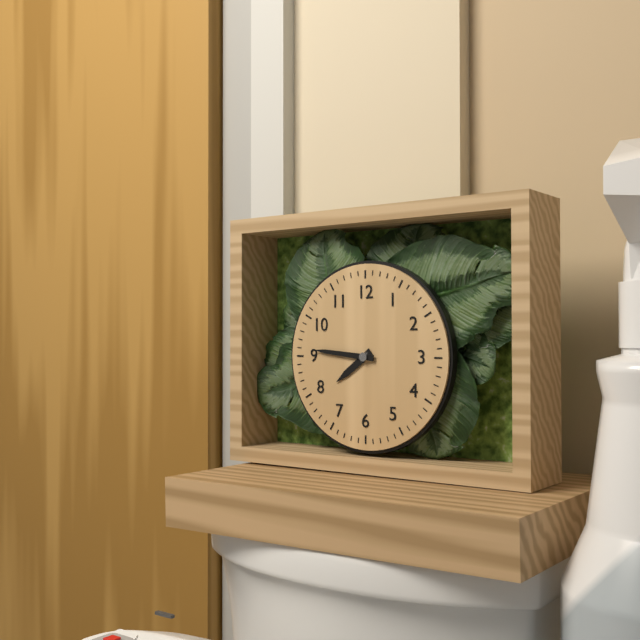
7,46
